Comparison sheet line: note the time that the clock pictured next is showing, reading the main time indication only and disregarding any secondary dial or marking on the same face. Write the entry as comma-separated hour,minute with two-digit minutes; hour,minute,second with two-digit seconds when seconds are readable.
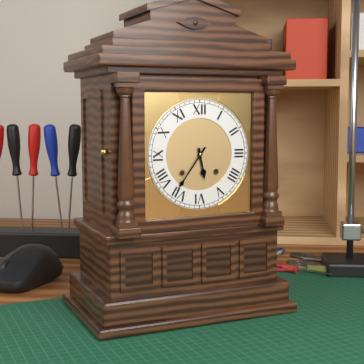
5,36
